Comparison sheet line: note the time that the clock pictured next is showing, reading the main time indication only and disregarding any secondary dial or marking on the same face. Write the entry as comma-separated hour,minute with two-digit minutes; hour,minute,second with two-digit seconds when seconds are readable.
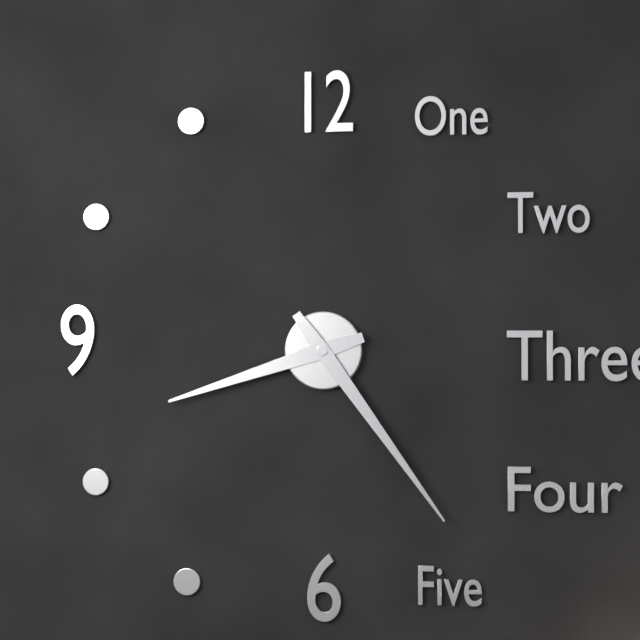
8,24
